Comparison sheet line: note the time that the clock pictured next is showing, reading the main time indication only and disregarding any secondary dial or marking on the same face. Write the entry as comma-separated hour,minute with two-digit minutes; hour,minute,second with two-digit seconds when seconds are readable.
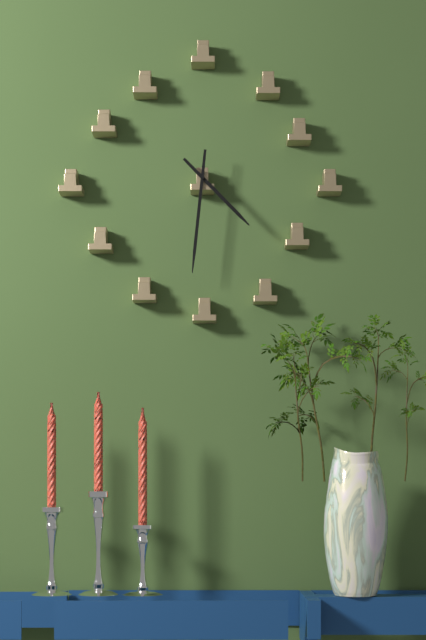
4,31
